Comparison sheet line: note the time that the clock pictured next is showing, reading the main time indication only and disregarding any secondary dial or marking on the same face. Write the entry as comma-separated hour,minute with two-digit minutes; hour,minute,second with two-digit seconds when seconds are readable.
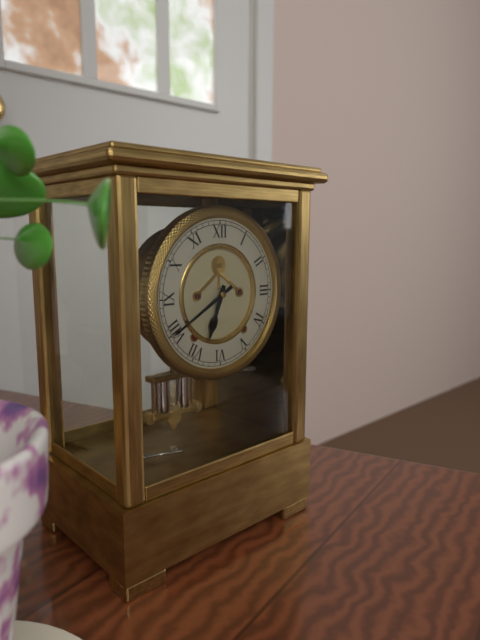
6,40
